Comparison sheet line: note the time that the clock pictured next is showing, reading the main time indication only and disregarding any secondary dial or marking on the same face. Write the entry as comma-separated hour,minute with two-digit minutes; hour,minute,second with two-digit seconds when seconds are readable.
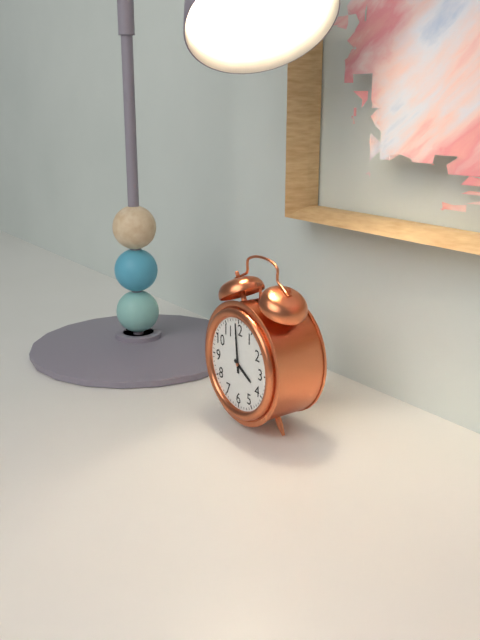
3,59
